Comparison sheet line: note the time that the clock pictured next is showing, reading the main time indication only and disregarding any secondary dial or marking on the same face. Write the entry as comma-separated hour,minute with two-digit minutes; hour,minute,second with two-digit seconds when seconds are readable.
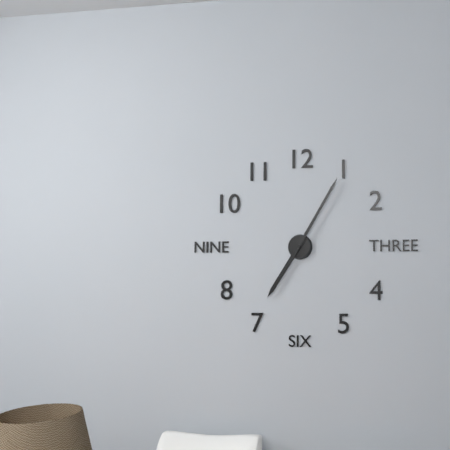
7,05
